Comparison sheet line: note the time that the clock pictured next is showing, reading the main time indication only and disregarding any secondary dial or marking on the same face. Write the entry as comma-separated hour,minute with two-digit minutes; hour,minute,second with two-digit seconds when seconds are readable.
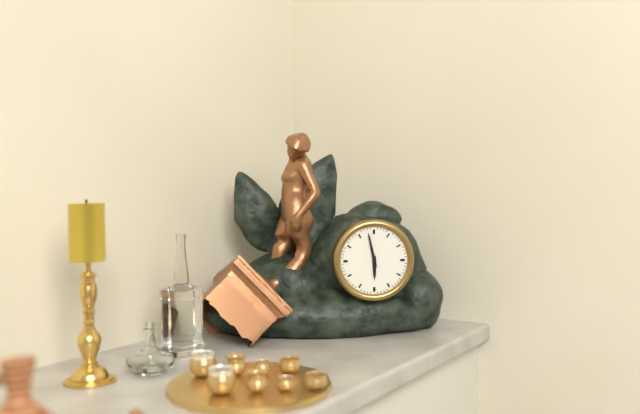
5,58
